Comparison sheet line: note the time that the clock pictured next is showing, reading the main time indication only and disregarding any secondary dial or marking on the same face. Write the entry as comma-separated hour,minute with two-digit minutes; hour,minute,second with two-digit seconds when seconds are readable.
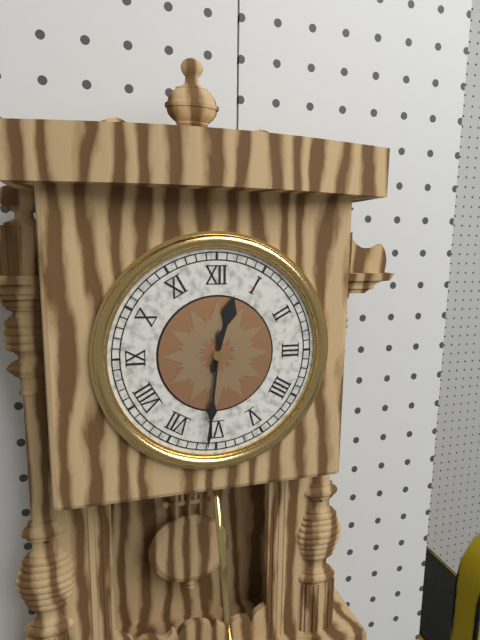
12,31
